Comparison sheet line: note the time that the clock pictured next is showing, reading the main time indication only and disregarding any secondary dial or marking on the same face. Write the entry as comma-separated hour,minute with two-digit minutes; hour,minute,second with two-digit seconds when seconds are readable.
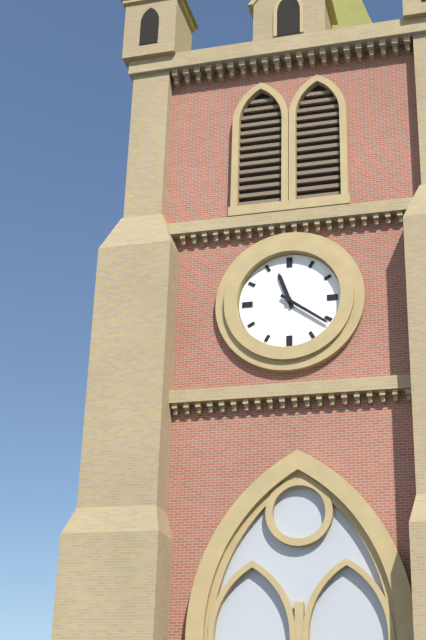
11,21
